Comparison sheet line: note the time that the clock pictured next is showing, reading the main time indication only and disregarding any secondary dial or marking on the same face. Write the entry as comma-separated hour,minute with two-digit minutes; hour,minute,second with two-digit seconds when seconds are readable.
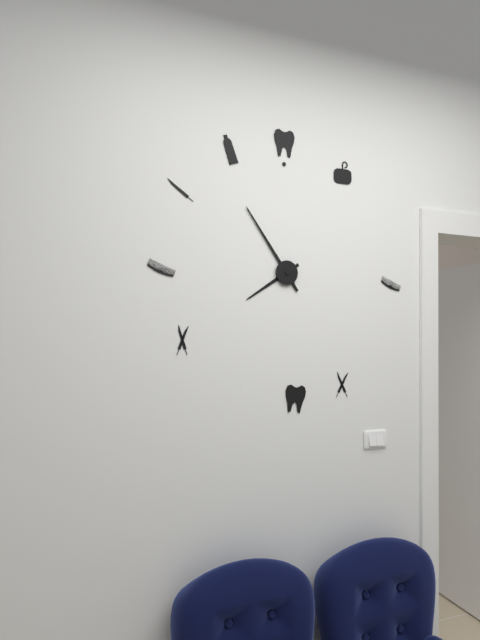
7,54
